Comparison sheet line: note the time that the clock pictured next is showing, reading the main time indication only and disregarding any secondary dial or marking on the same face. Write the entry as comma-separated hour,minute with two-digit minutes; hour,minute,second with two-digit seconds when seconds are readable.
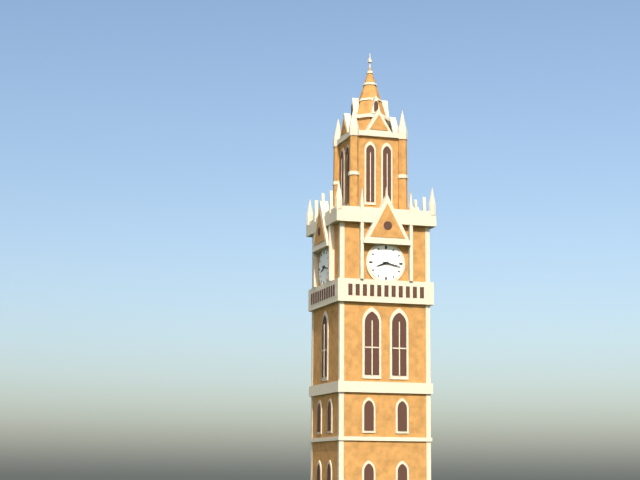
8,17
